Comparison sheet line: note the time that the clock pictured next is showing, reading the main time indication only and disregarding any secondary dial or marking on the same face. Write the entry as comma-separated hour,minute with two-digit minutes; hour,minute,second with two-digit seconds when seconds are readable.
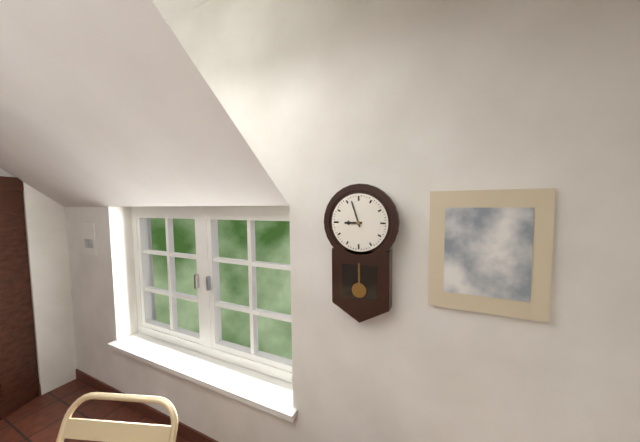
8,57
